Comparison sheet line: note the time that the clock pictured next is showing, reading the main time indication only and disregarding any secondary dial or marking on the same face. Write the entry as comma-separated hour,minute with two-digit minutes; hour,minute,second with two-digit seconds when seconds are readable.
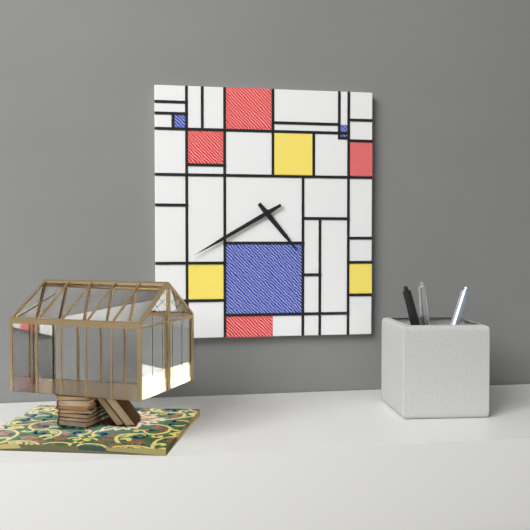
4,40
